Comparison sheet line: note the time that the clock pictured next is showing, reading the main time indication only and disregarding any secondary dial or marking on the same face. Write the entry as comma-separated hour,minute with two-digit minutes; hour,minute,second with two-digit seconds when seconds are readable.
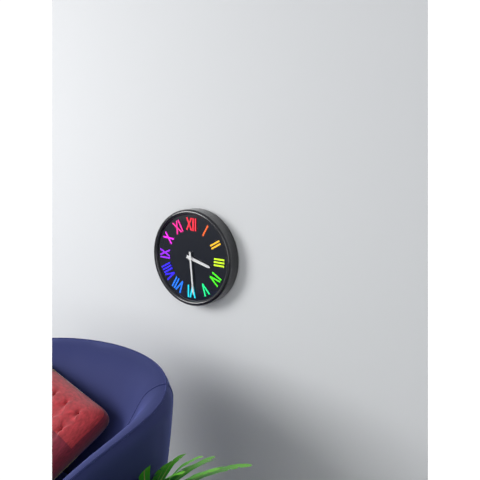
3,29
